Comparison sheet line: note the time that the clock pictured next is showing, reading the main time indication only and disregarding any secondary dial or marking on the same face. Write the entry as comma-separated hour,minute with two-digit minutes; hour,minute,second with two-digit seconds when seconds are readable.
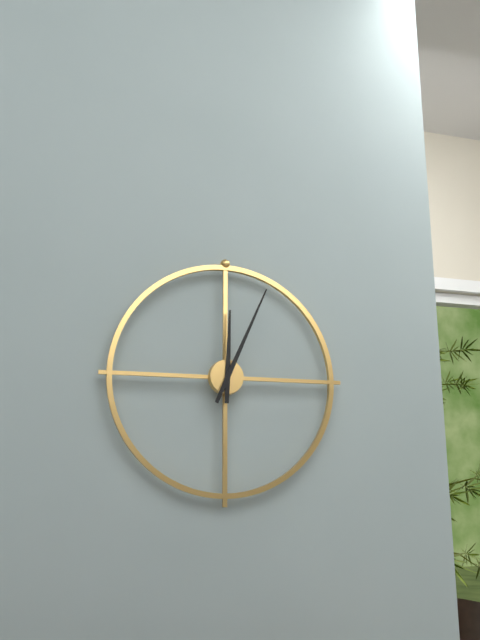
12,04
